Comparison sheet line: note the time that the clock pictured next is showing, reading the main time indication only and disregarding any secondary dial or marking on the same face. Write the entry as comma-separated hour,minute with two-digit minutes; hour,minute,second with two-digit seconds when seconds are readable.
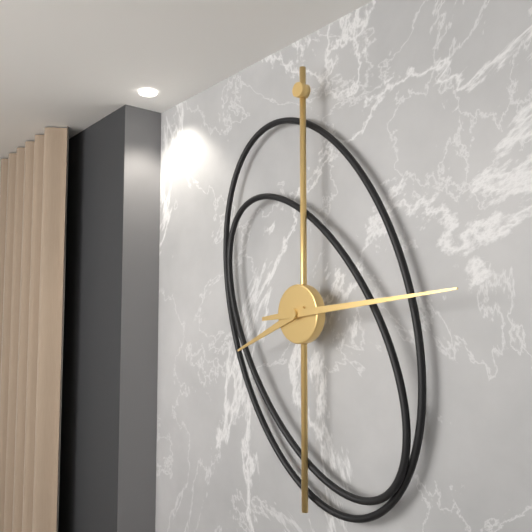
8,14
